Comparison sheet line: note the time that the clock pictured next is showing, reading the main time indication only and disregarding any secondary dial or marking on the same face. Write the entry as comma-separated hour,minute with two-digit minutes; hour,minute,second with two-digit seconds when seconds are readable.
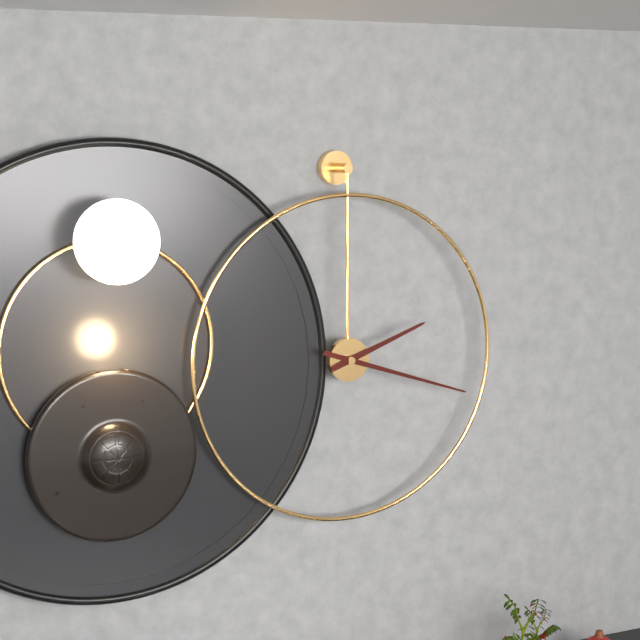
2,18
